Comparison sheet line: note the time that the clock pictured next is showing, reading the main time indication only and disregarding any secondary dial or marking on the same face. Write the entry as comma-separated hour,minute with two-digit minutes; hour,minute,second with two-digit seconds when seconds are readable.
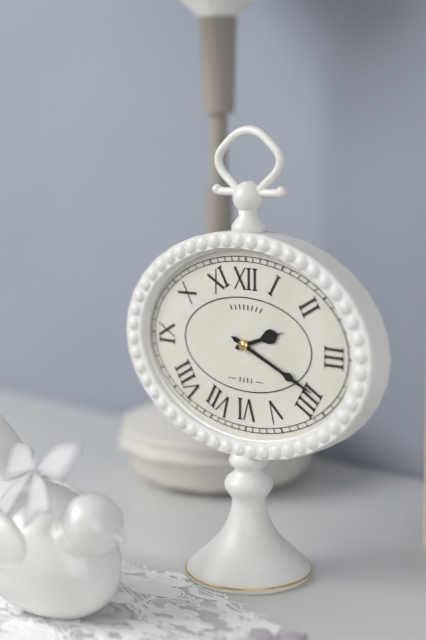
2,19
